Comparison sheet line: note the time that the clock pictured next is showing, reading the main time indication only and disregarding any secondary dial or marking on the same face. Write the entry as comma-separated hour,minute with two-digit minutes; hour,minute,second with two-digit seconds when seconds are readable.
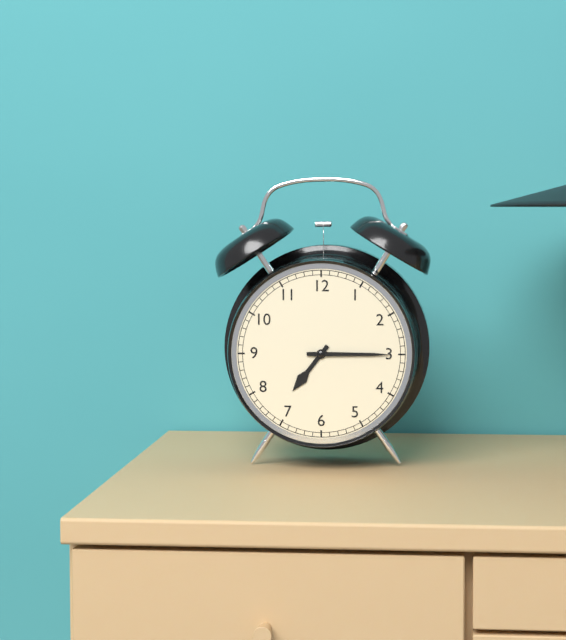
7,15
